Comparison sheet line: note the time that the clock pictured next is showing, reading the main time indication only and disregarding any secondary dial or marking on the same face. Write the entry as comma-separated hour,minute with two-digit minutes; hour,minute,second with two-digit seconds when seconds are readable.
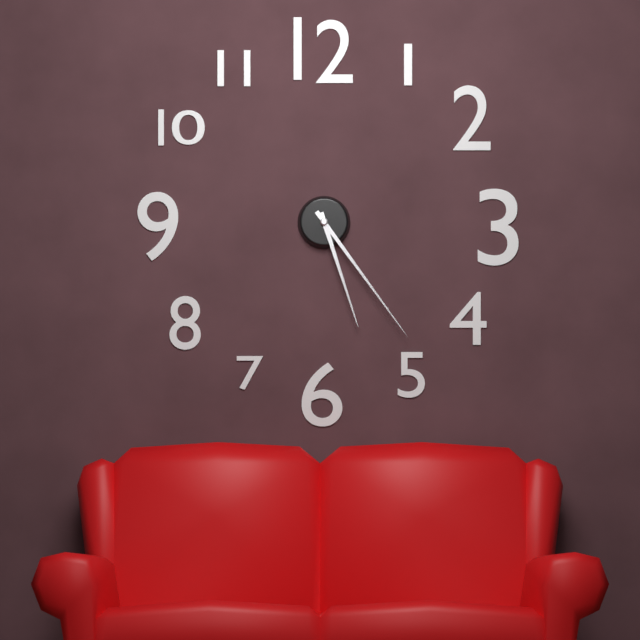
5,24
